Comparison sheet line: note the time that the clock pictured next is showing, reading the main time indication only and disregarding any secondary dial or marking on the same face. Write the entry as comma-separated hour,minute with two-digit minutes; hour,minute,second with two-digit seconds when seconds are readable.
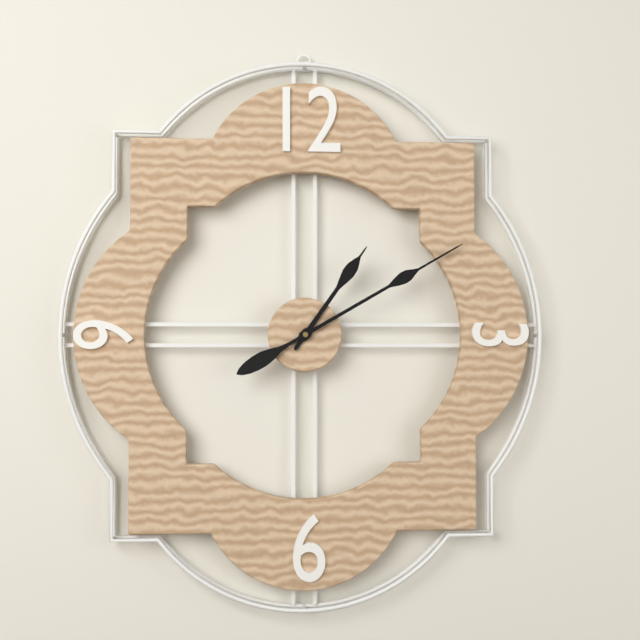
1,10
